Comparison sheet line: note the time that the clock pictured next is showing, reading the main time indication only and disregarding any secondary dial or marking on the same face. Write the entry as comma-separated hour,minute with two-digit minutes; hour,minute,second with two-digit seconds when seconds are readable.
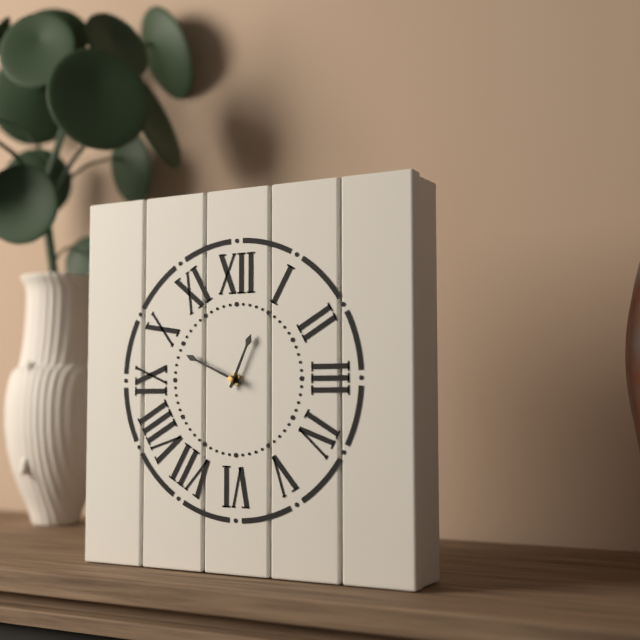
12,49
